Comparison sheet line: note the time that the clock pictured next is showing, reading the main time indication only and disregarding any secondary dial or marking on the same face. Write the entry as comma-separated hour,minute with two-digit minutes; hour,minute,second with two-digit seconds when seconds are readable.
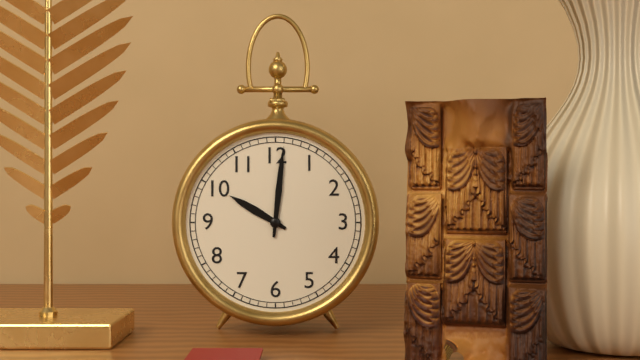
10,01
